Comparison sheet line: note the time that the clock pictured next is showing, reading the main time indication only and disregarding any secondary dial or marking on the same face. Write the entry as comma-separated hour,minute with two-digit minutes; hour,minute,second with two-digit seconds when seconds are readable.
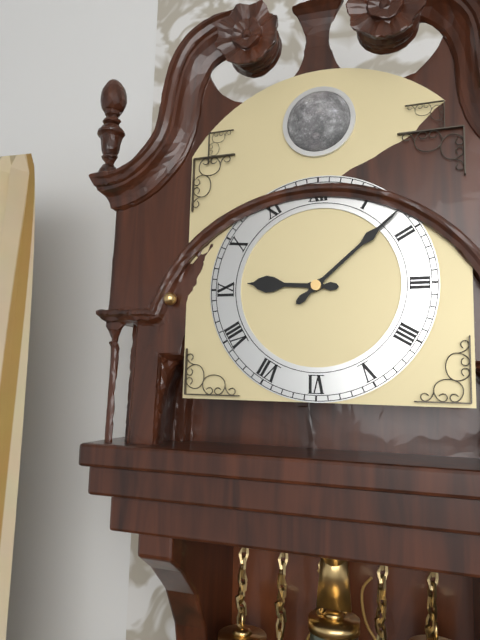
9,08
